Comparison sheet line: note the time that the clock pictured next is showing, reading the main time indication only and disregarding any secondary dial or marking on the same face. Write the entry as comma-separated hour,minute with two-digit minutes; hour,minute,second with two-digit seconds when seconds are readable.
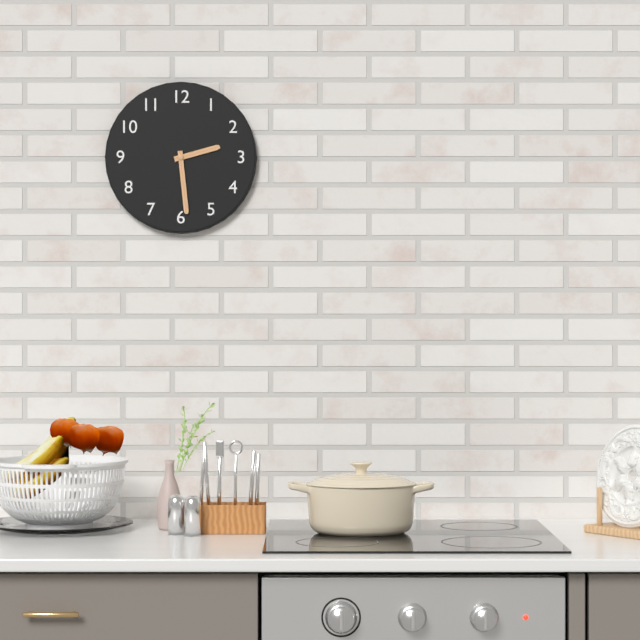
2,29
